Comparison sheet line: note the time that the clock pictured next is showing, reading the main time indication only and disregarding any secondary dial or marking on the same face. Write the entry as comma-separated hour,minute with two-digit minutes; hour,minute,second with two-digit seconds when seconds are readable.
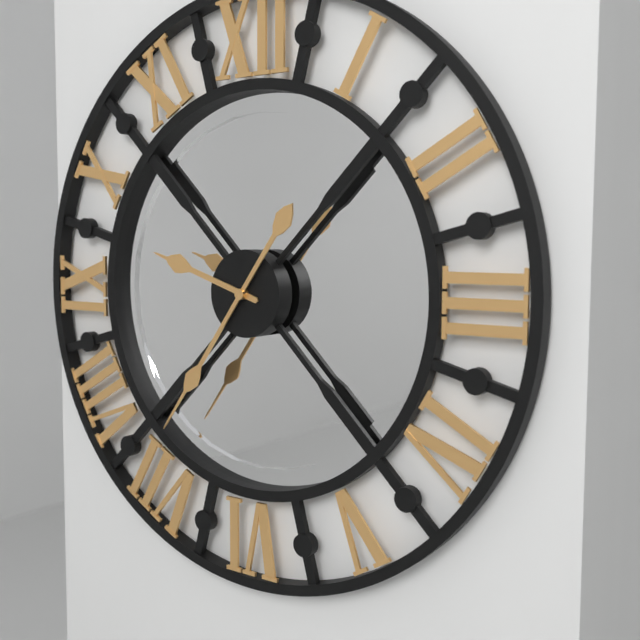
9,36
